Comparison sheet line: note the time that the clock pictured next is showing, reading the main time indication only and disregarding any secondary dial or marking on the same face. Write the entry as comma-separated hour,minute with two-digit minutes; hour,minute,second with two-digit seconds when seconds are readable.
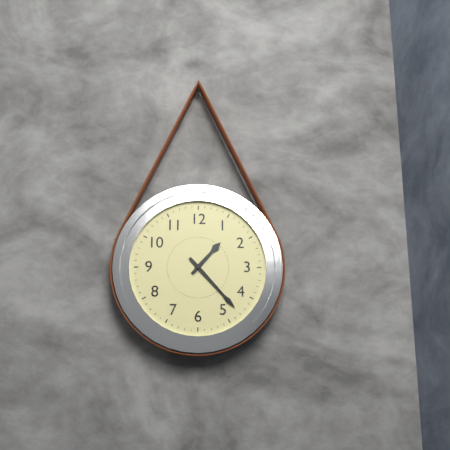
1,23
